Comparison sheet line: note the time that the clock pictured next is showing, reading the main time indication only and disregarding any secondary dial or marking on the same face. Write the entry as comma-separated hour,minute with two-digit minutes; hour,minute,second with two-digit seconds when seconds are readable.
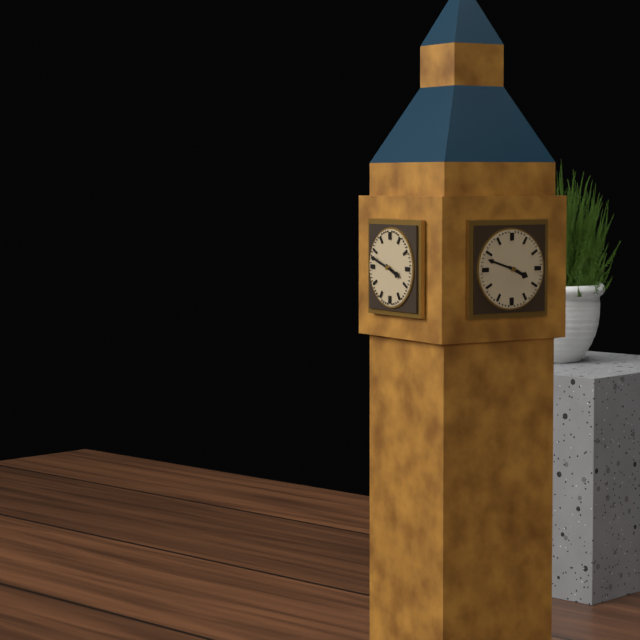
3,48
